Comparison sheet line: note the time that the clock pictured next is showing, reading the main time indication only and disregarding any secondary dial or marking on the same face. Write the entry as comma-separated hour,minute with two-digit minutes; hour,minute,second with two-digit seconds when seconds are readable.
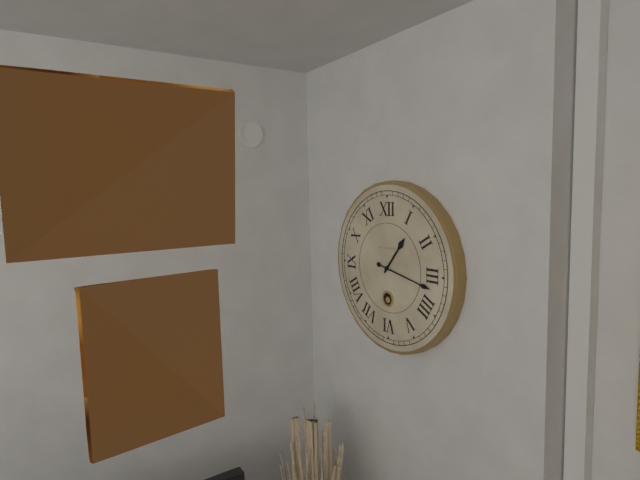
1,17
